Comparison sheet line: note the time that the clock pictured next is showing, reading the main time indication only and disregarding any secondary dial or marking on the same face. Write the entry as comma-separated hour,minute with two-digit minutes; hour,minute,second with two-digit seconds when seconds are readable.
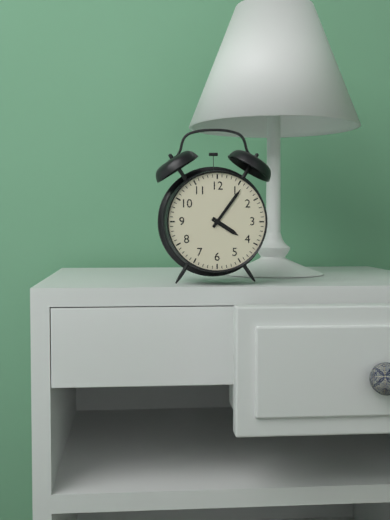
4,06
